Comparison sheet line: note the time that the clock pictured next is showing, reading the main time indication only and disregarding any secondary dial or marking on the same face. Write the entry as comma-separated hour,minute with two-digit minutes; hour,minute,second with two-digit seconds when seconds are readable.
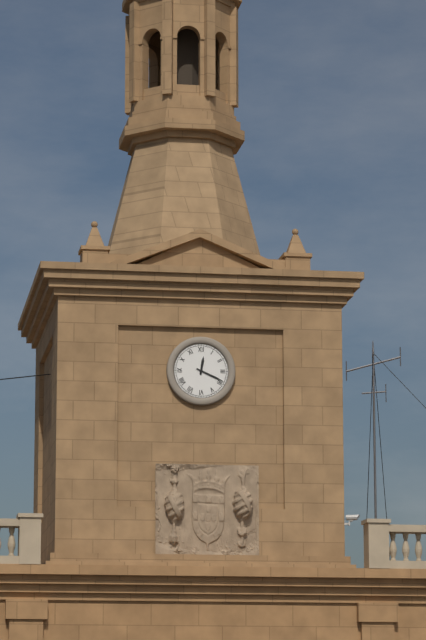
12,19
